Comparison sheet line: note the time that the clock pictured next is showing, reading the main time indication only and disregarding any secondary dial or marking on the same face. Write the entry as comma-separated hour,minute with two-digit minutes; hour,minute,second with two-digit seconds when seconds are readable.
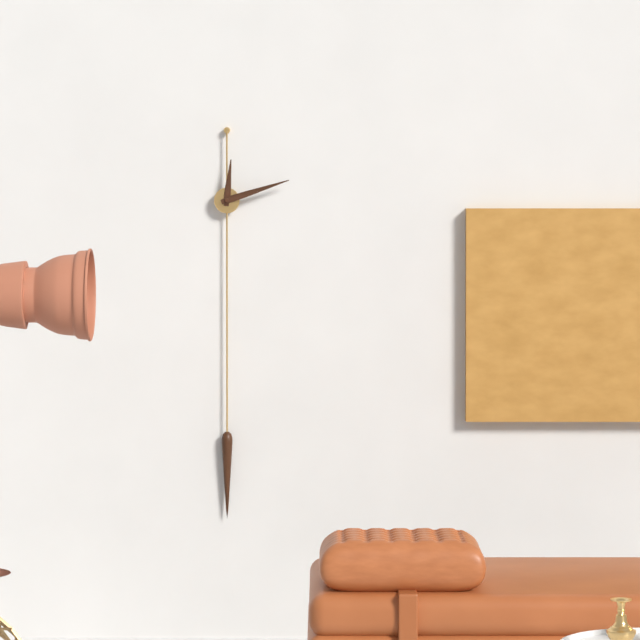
12,12
